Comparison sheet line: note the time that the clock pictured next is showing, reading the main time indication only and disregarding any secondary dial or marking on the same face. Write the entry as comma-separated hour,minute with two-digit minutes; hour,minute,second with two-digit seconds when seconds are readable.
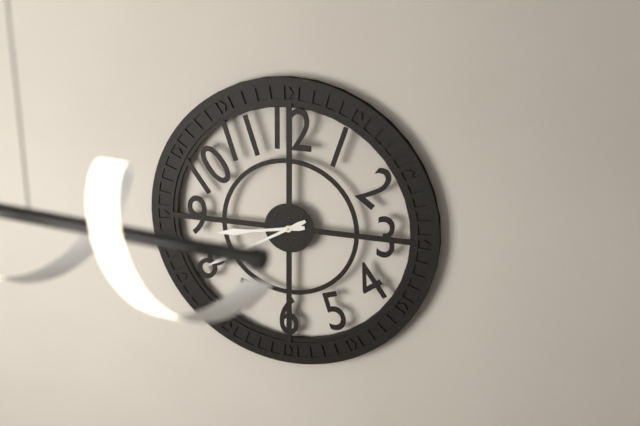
8,40
